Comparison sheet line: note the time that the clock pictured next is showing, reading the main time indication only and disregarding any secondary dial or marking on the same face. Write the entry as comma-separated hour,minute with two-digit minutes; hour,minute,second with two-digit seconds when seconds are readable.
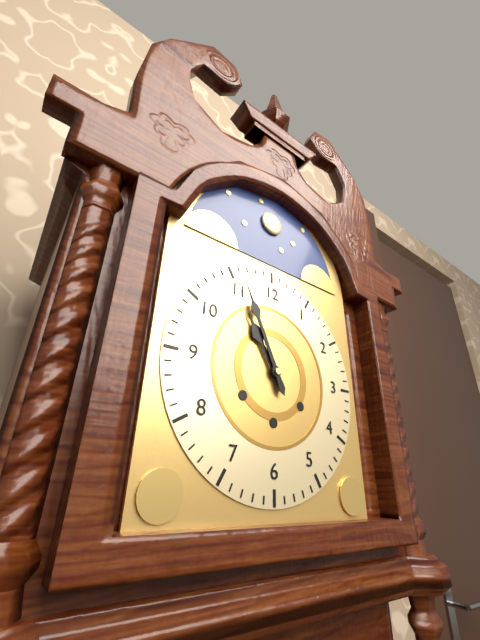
10,56
